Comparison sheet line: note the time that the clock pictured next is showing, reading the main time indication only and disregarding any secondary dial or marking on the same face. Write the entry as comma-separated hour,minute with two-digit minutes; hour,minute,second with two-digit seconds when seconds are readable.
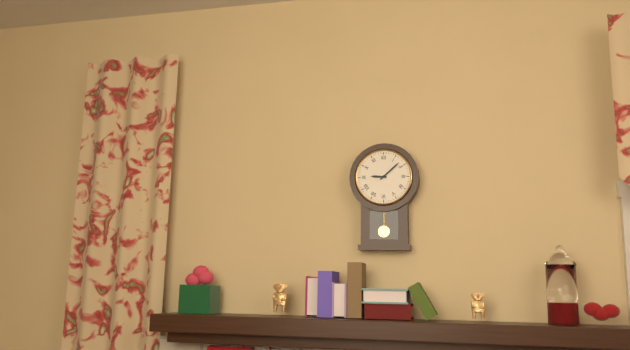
9,08
